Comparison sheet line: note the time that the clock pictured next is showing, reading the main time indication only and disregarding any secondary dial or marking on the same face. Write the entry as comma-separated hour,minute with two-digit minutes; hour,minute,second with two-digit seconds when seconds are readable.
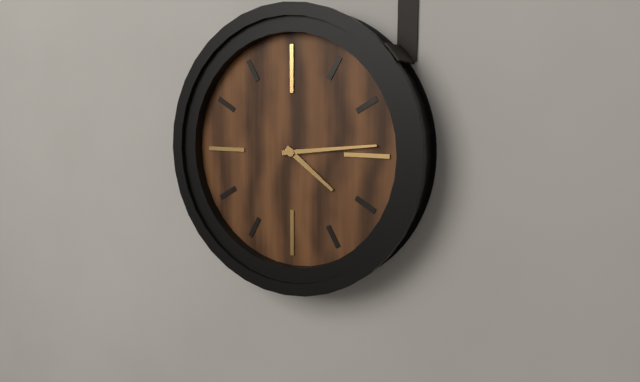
4,14
